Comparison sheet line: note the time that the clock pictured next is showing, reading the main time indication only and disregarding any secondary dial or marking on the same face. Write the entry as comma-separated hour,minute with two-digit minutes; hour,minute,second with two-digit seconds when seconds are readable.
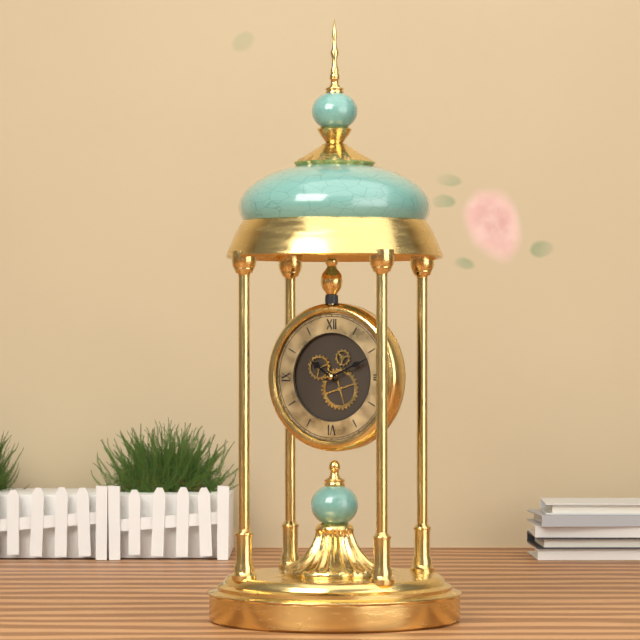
10,11
